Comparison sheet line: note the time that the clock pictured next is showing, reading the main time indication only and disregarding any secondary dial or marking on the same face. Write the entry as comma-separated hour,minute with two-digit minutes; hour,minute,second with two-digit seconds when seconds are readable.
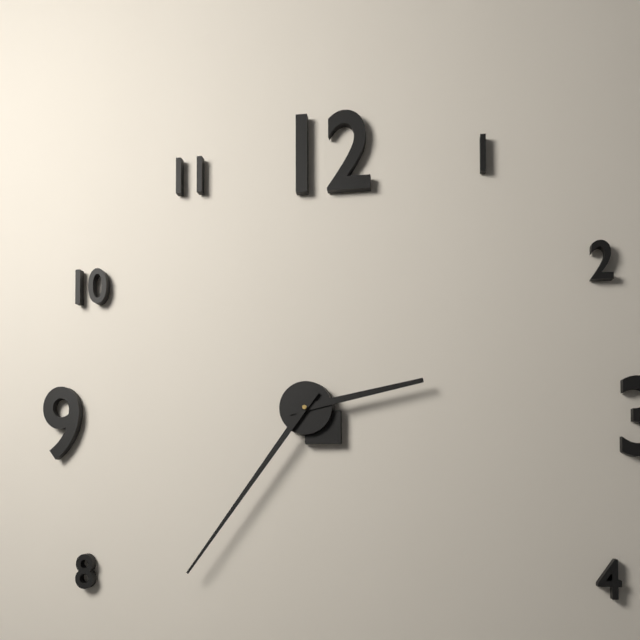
2,36
